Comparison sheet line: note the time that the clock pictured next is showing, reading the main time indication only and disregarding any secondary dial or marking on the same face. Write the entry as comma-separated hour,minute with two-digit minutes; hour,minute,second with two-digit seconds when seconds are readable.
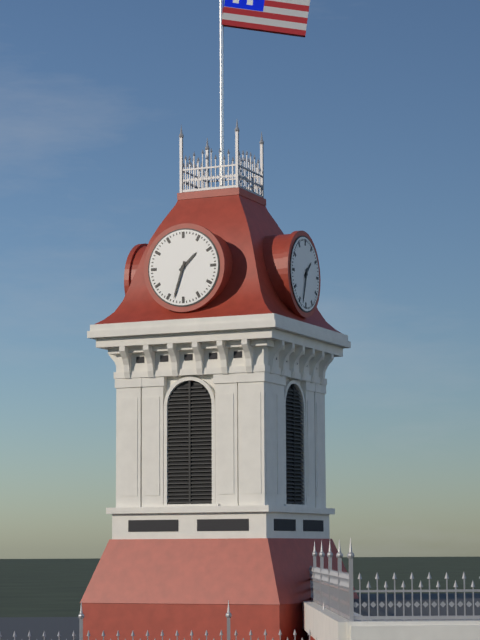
1,33
